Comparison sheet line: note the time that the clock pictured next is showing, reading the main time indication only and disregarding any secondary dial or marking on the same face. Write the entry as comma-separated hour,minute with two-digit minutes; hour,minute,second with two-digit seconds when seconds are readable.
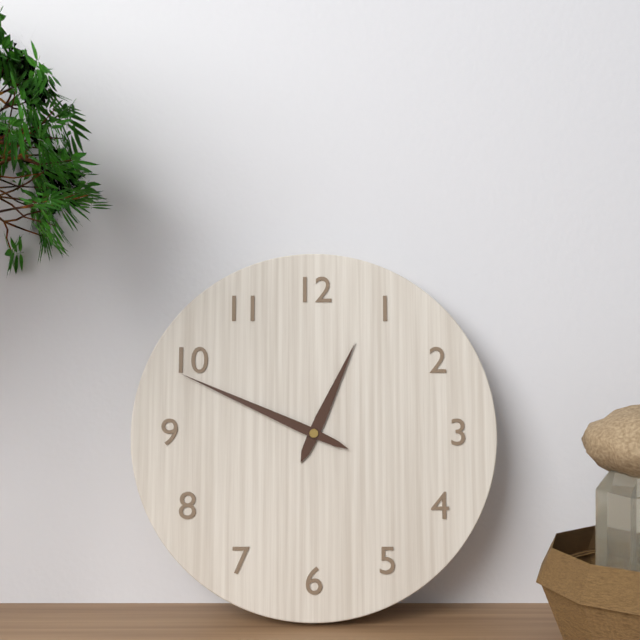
12,49
